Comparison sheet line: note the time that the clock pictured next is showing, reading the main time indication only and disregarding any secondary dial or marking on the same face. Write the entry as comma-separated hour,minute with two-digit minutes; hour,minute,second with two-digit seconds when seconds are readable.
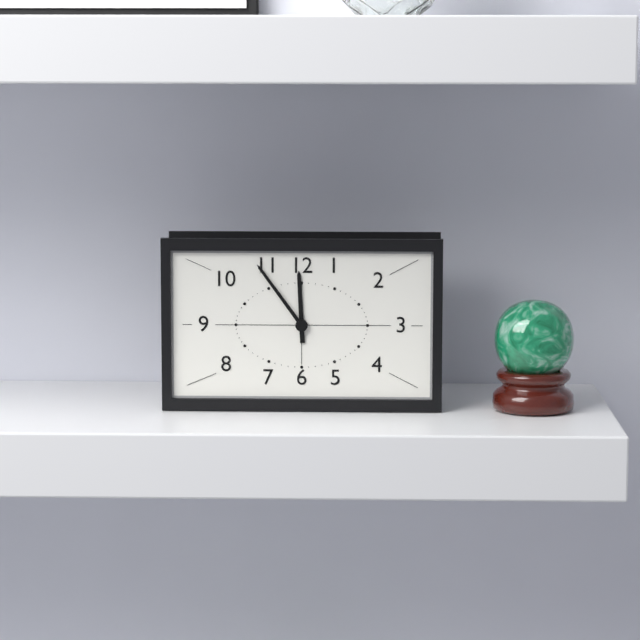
11,54
